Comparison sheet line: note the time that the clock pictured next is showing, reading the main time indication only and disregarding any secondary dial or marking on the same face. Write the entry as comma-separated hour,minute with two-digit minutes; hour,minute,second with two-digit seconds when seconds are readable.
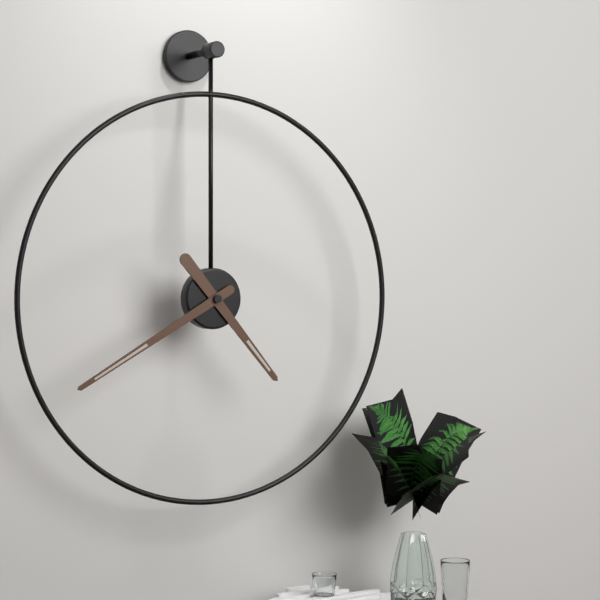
4,40
